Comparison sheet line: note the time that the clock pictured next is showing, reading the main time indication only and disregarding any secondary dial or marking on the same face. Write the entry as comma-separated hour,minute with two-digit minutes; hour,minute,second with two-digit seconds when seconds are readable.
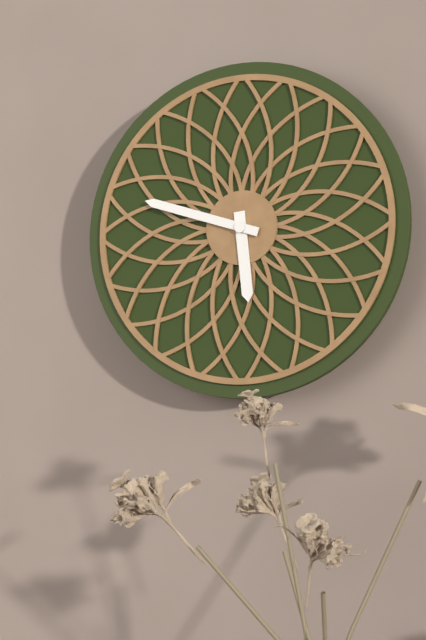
5,48
